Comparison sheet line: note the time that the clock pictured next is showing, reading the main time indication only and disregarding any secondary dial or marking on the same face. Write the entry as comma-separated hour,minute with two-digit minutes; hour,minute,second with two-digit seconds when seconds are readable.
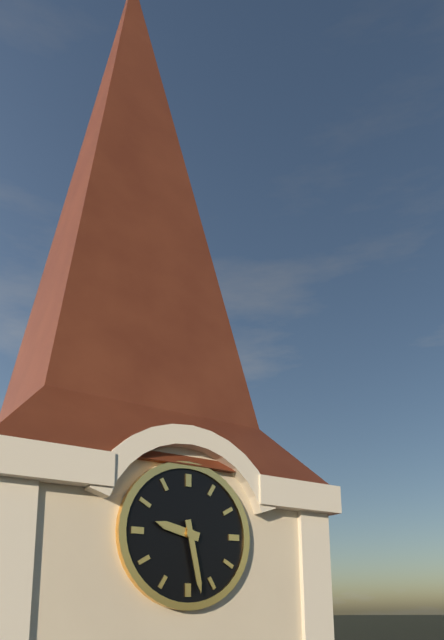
9,28
